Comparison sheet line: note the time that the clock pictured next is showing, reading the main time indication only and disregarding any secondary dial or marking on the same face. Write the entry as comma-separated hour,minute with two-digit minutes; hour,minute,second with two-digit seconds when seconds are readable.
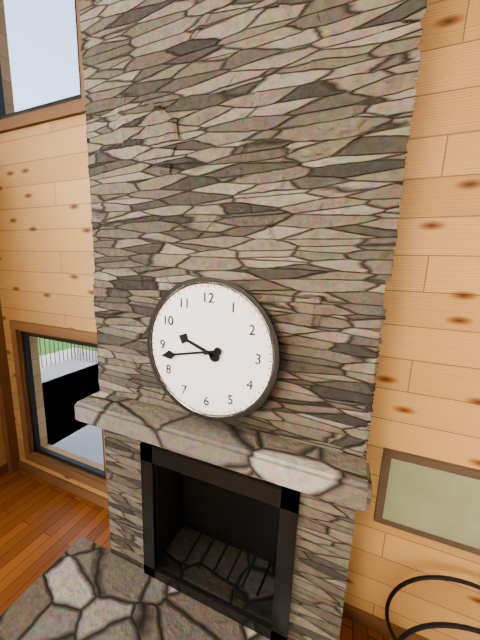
9,43
